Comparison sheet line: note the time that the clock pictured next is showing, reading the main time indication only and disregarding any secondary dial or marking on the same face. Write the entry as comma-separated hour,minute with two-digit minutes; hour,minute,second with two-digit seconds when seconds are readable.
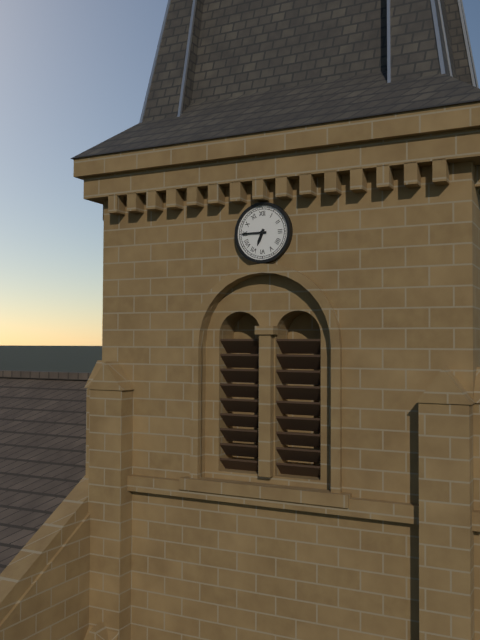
6,45
